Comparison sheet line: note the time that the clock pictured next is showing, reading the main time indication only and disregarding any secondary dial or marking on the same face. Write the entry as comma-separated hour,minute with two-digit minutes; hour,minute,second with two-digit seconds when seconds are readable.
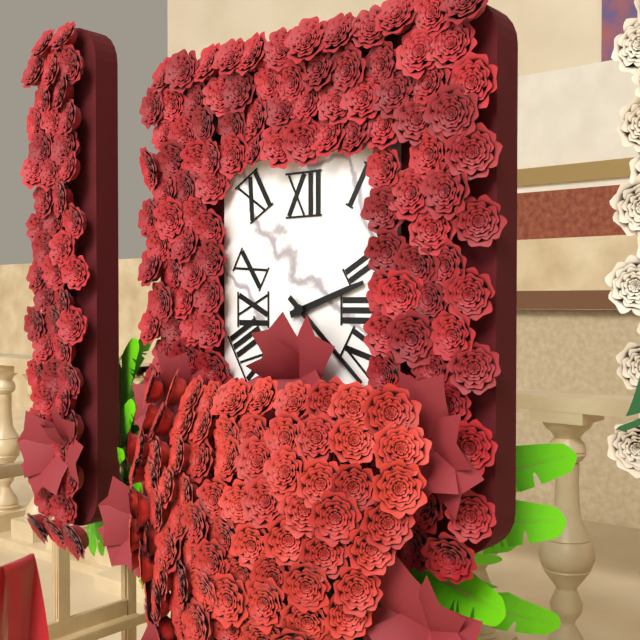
2,22
